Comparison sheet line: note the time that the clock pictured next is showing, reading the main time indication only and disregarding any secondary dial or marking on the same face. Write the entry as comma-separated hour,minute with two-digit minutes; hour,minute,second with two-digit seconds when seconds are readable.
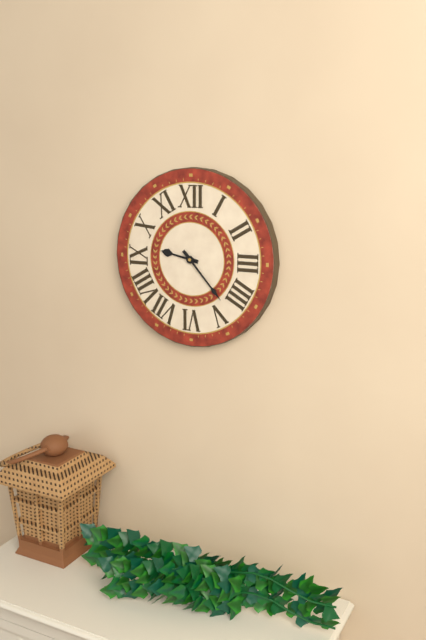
9,23
